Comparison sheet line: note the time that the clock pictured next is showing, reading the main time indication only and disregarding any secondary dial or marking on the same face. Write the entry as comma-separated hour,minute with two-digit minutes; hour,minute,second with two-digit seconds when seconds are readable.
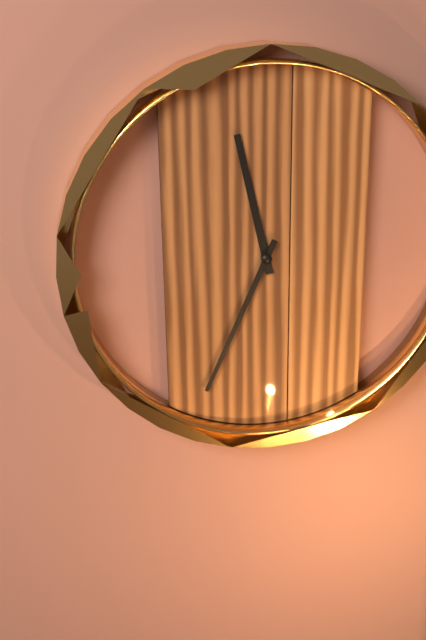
11,34
